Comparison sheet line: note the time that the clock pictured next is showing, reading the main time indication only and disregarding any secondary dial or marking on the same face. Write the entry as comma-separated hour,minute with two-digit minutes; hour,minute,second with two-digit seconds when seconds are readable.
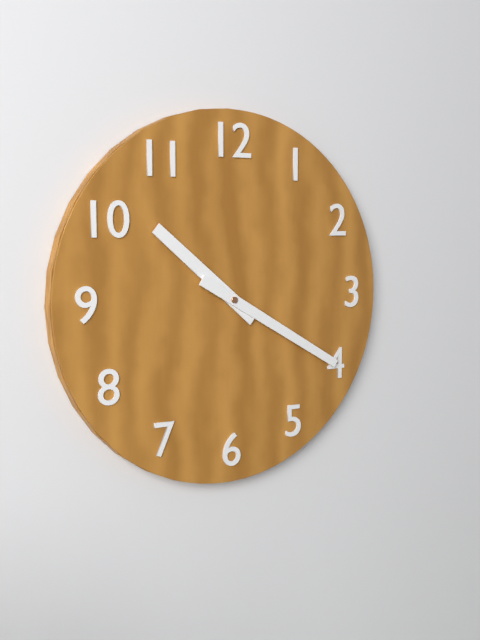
10,20
